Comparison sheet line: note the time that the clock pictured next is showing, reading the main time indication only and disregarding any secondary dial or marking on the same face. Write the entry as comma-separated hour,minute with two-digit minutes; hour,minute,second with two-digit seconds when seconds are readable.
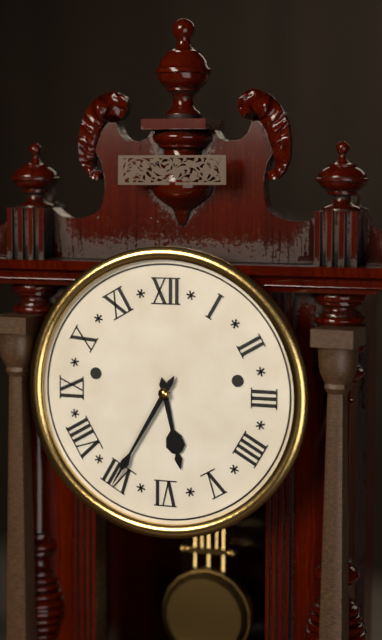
5,35
